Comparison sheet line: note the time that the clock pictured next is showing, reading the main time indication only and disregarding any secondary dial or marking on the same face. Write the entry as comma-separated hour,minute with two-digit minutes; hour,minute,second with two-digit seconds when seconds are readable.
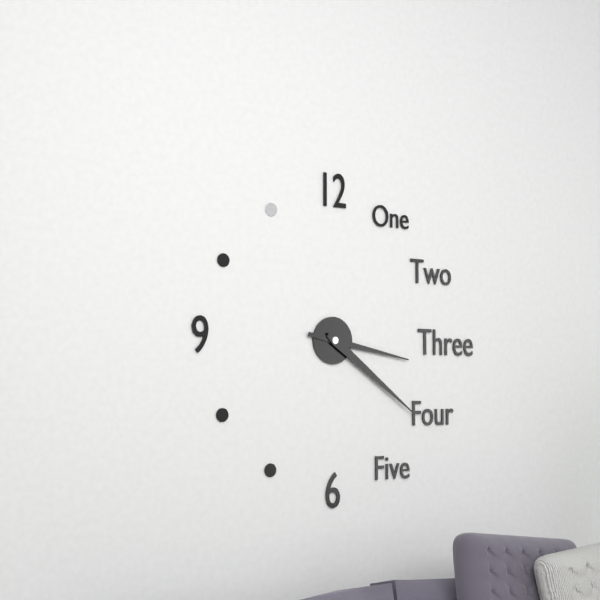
3,21
